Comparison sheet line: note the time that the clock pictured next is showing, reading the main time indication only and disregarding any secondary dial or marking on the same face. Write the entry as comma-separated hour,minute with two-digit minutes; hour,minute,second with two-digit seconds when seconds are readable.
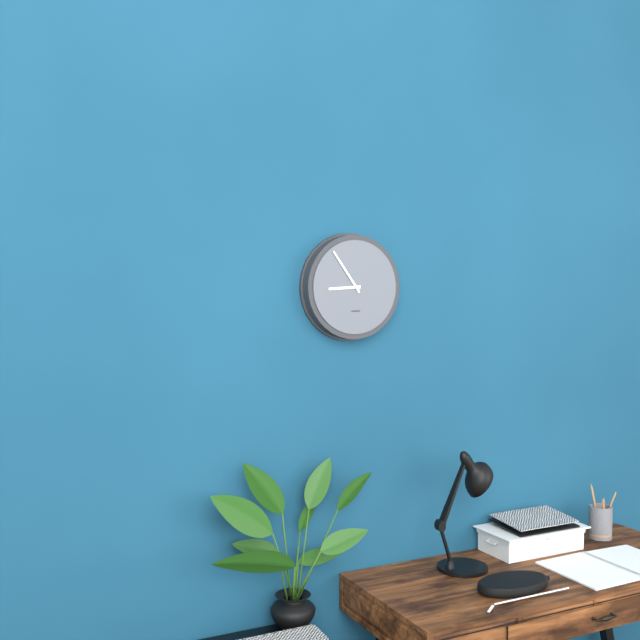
8,54
